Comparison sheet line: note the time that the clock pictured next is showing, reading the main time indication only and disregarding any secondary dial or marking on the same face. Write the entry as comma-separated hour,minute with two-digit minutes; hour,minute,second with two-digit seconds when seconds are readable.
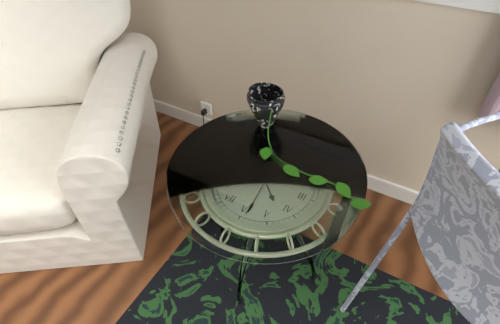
4,29
